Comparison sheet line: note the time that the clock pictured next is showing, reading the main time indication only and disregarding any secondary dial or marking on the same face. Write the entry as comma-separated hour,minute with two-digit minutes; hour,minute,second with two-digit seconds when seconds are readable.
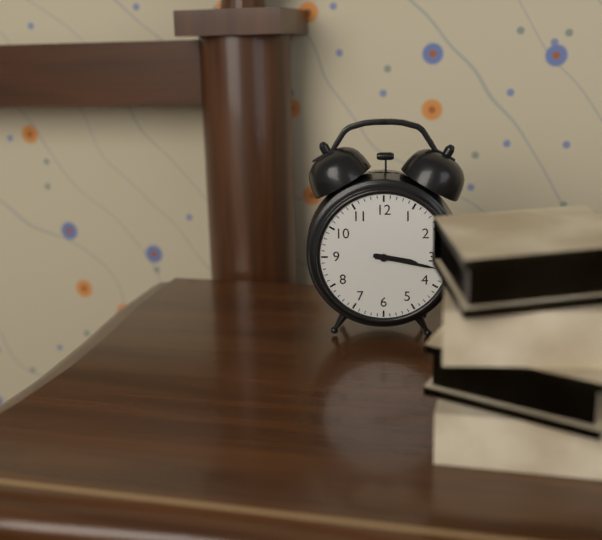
3,17
